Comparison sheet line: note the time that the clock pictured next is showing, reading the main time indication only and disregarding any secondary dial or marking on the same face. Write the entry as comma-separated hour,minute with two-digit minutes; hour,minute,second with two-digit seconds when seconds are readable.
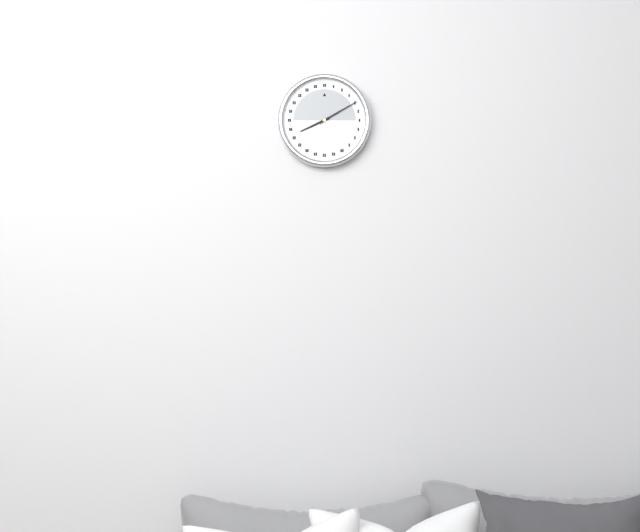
8,10
